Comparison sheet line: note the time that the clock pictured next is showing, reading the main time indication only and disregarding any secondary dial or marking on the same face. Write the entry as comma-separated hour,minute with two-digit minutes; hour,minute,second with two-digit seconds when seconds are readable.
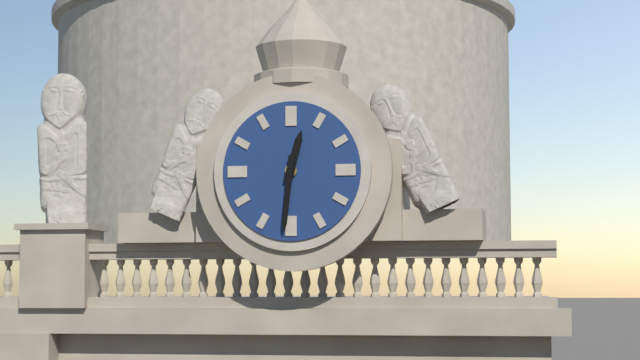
12,31
